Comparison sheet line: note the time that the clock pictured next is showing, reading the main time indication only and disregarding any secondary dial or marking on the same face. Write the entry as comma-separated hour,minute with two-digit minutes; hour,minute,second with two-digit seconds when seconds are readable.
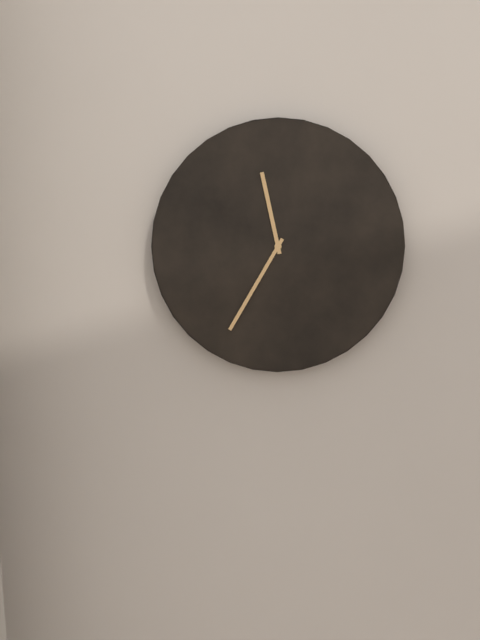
11,35
